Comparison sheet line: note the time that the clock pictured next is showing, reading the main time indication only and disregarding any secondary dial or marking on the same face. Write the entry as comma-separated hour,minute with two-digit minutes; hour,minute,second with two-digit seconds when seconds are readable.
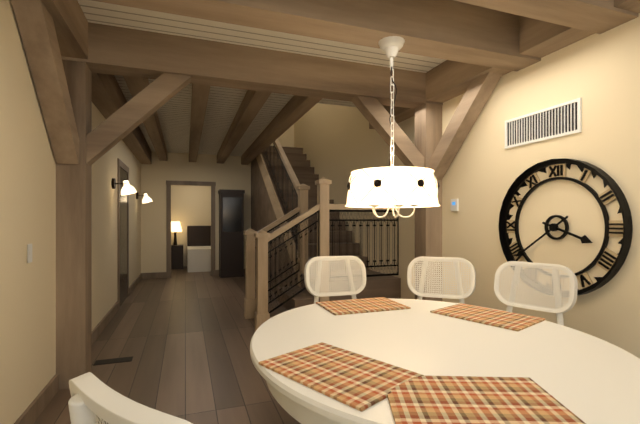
3,39
